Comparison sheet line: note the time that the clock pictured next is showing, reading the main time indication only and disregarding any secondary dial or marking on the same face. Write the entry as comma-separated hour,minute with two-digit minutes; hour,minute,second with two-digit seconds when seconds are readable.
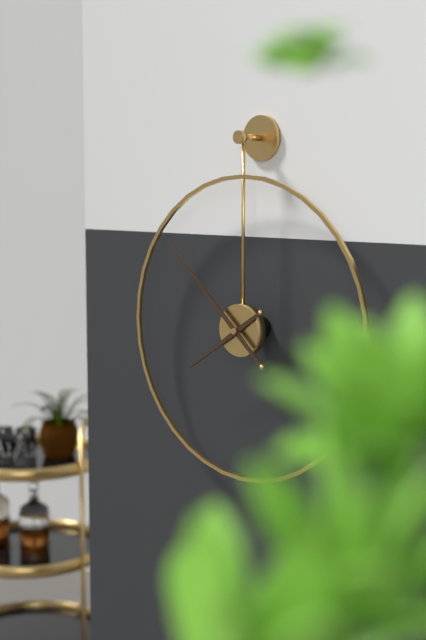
7,52
